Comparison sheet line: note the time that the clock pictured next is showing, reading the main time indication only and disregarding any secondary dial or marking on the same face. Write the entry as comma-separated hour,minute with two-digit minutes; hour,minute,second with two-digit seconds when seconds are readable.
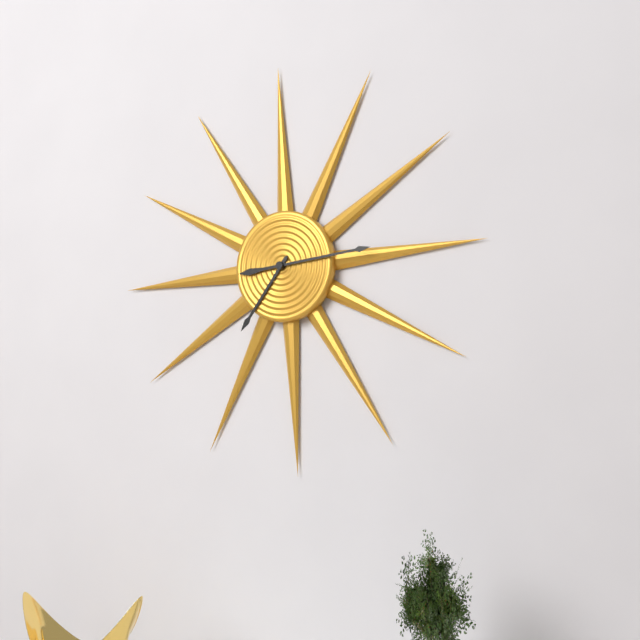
7,14
